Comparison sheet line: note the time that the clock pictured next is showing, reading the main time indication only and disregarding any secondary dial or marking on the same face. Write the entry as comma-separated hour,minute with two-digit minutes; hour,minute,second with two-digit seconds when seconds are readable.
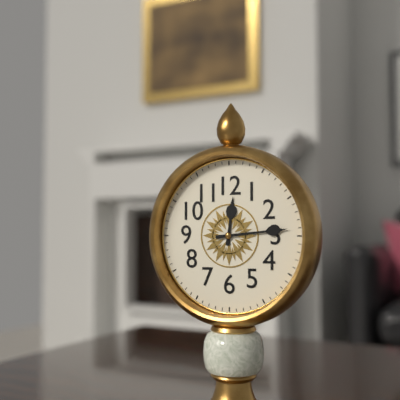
12,14
